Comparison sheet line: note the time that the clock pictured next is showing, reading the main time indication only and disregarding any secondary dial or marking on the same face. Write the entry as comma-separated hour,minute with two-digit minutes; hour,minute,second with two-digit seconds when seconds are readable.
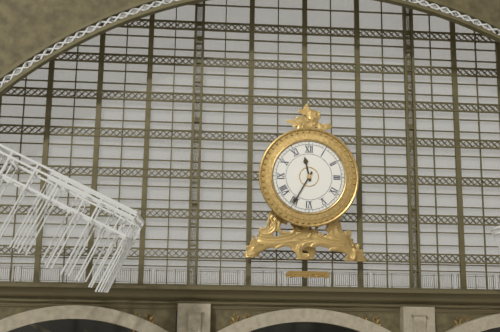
11,35
